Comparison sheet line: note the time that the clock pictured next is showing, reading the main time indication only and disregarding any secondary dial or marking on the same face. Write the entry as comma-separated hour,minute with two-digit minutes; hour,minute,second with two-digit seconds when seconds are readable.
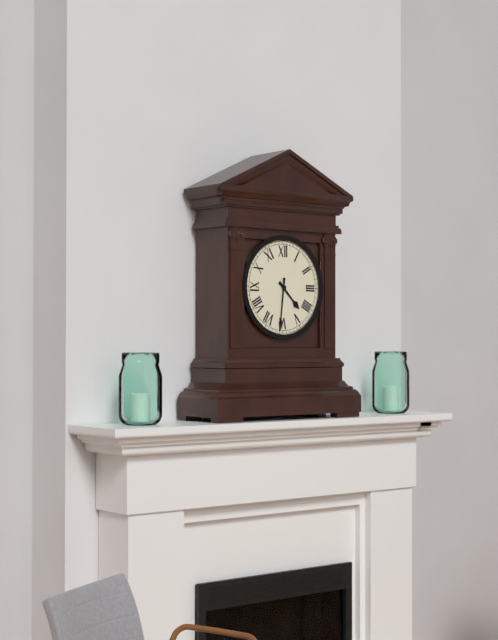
4,31
